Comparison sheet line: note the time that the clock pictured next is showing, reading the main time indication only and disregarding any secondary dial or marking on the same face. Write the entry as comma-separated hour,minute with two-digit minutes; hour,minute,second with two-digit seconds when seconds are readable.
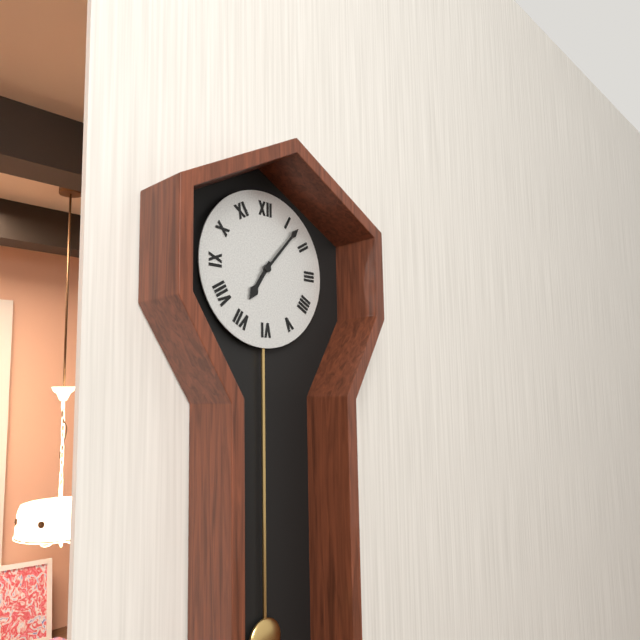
7,07
